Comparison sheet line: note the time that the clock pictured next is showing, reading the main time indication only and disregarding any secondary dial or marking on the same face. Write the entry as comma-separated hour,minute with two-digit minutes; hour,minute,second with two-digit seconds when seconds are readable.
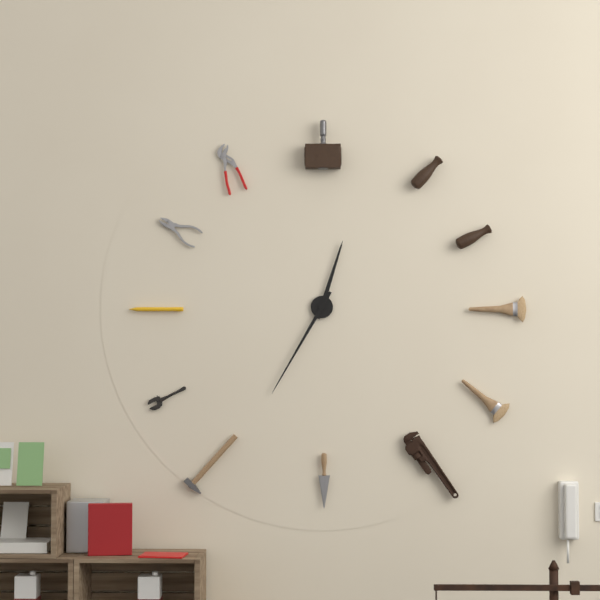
12,35
